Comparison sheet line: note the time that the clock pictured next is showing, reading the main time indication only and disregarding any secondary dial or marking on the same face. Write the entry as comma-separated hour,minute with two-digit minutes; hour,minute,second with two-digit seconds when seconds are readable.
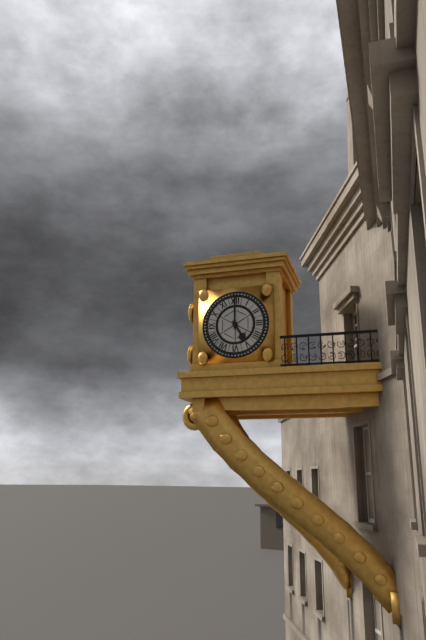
5,00
